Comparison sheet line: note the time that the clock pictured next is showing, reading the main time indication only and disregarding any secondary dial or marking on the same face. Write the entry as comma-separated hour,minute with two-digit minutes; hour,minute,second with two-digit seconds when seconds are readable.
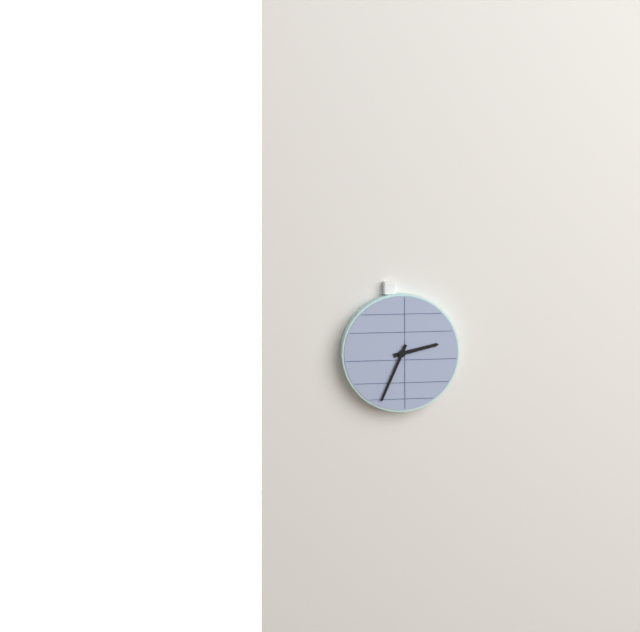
2,34
